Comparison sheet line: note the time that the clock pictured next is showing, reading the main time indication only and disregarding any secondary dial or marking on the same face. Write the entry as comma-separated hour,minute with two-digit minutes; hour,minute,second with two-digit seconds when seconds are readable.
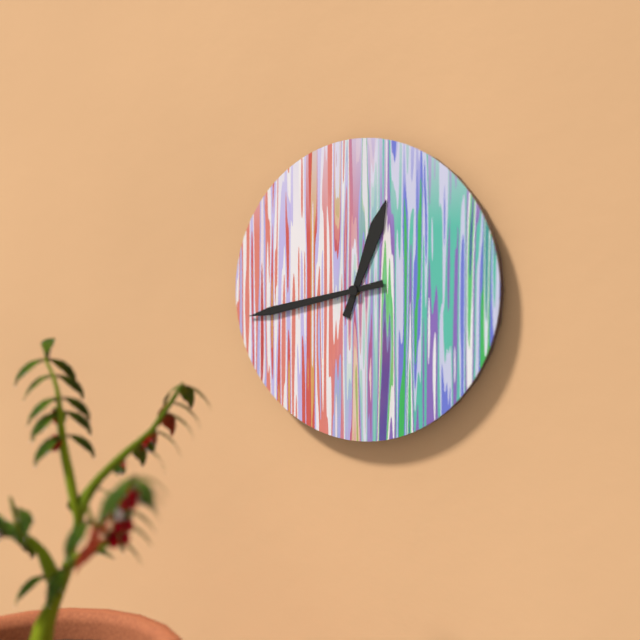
12,43
